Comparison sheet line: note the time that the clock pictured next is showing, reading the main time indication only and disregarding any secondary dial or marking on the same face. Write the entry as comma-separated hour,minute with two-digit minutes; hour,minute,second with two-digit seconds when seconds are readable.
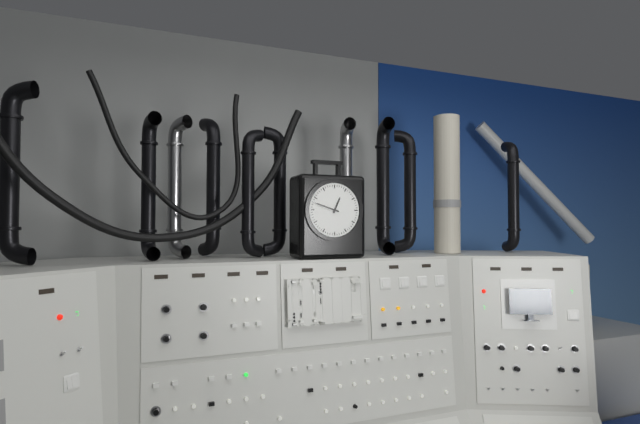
12,48
